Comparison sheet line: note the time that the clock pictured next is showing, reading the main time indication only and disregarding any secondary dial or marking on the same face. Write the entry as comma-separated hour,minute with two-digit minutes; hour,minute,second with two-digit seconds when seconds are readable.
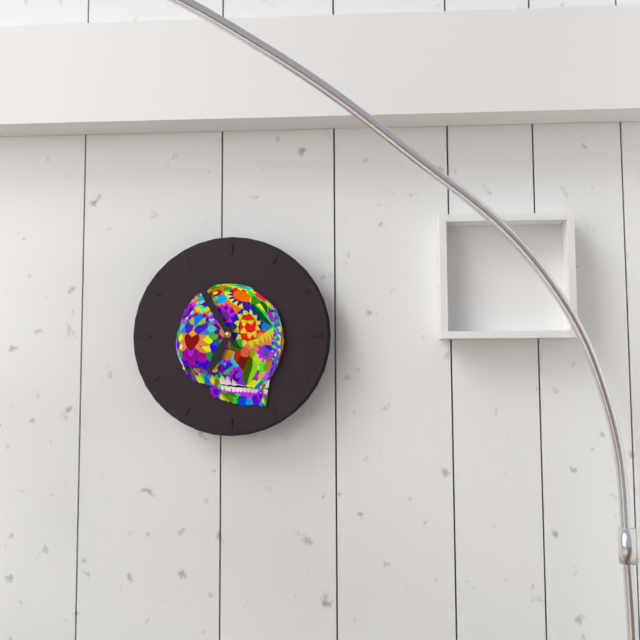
6,55
